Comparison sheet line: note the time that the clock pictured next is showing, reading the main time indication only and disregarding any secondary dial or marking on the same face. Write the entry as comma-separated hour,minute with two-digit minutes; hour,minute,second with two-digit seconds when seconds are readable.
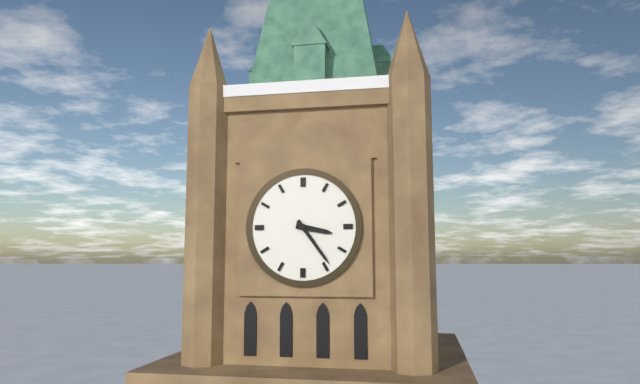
3,24
